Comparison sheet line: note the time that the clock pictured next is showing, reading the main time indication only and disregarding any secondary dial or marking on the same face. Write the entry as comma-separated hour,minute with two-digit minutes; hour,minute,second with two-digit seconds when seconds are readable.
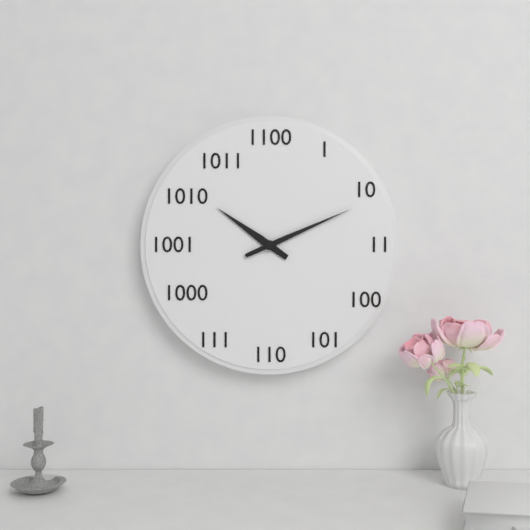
10,11
